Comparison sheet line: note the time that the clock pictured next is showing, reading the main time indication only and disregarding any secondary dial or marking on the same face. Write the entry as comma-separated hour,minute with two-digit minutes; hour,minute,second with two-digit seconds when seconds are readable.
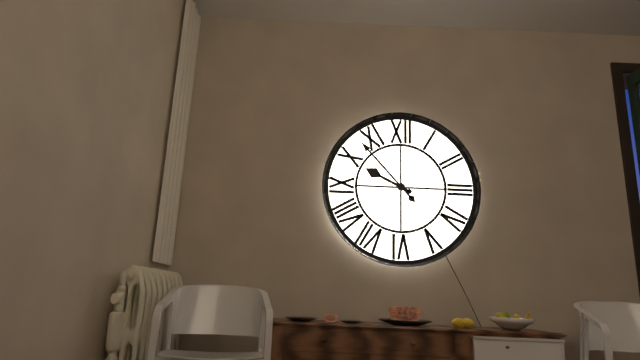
9,53
